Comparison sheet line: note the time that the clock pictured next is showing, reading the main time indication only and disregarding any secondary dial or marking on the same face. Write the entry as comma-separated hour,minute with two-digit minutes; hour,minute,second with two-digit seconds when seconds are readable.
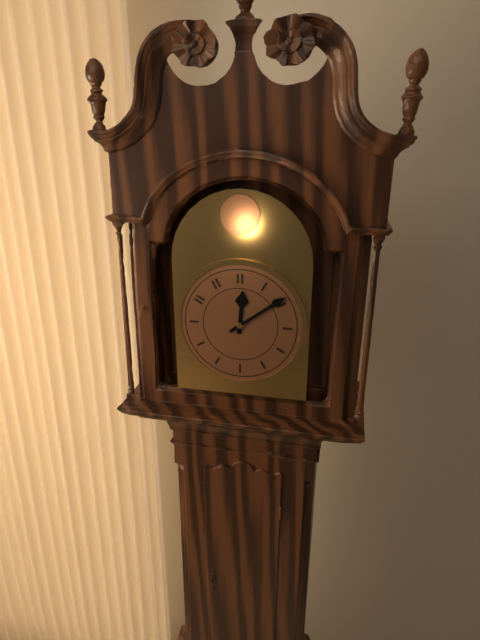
12,09
